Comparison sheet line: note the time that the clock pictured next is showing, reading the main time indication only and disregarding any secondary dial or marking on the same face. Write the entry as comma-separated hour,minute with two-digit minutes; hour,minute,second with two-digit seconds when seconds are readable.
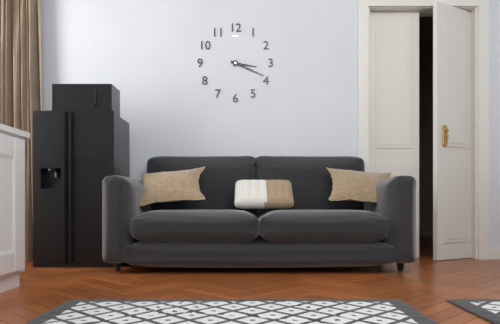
3,19
